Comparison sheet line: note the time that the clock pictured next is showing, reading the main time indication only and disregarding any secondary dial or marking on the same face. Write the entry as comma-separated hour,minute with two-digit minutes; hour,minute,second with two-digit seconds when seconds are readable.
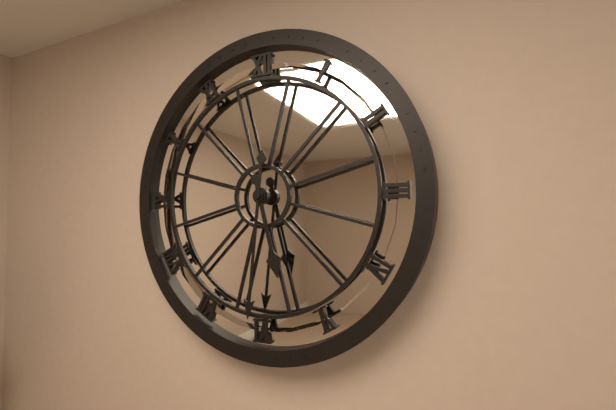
5,31
